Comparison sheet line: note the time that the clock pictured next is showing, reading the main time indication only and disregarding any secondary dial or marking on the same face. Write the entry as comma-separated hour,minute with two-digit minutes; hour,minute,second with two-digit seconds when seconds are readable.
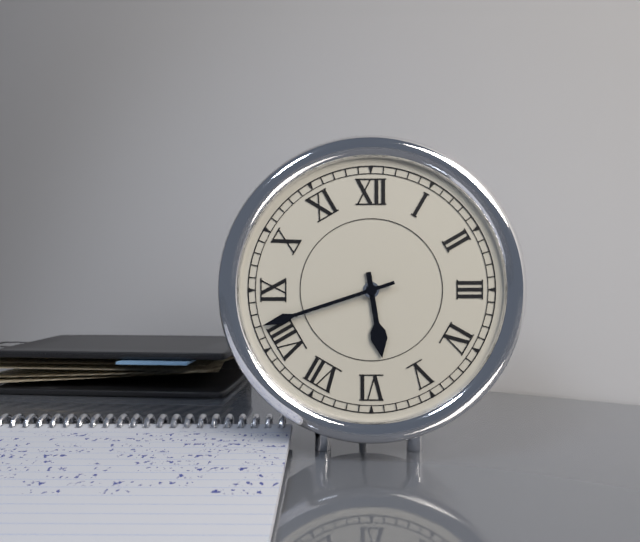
5,42
